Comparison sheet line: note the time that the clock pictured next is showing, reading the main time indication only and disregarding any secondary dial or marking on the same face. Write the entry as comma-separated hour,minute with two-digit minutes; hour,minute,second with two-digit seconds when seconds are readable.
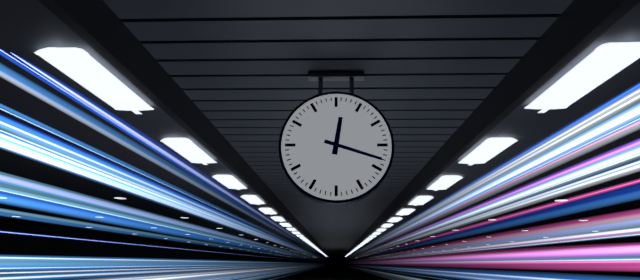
12,18
